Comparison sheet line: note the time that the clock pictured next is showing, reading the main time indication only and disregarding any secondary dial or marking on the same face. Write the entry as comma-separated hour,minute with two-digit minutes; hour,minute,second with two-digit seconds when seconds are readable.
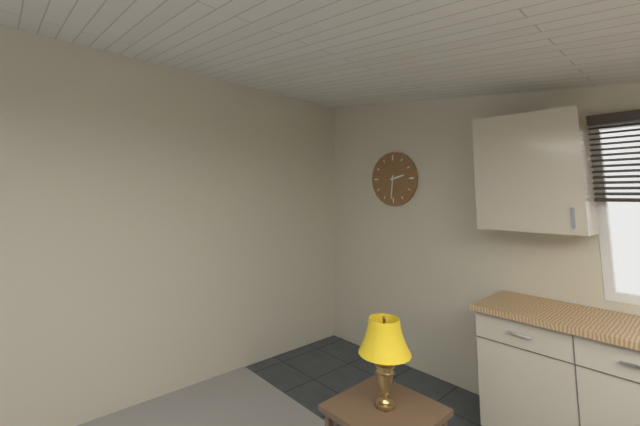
2,31
